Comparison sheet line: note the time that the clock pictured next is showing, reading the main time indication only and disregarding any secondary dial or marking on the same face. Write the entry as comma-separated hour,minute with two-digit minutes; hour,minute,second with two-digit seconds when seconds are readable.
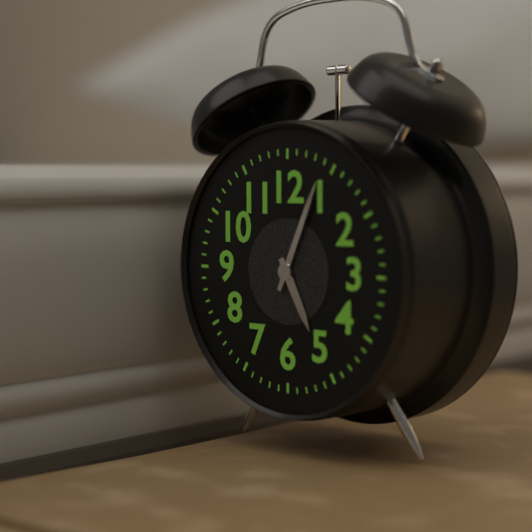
5,04
